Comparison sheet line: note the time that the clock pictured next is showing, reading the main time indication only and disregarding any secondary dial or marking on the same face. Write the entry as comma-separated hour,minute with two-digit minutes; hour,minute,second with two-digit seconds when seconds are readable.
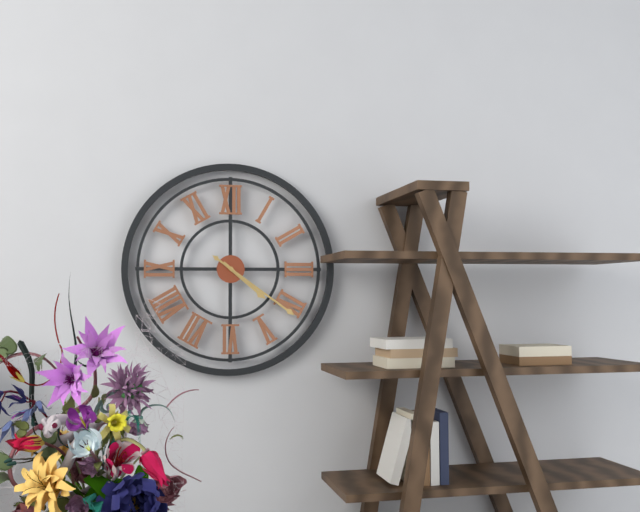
4,21
